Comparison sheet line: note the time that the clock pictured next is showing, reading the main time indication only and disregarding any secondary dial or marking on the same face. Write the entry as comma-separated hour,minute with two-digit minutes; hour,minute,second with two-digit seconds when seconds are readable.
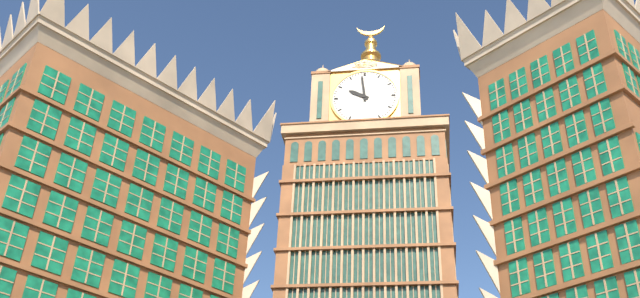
9,59
